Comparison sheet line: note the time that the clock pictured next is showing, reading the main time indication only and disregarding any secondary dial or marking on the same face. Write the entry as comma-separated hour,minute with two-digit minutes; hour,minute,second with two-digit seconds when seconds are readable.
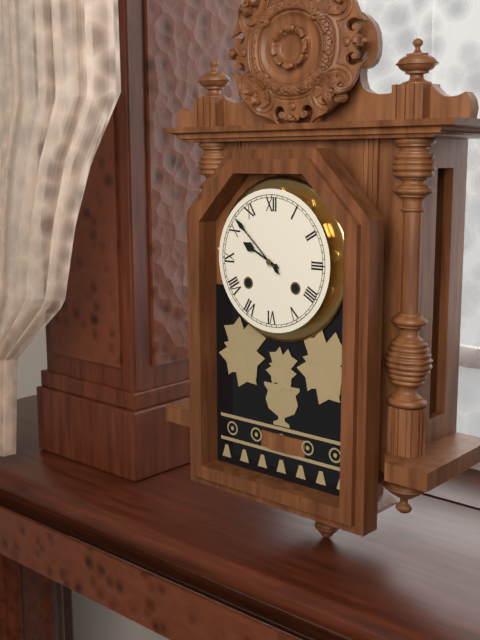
9,52
